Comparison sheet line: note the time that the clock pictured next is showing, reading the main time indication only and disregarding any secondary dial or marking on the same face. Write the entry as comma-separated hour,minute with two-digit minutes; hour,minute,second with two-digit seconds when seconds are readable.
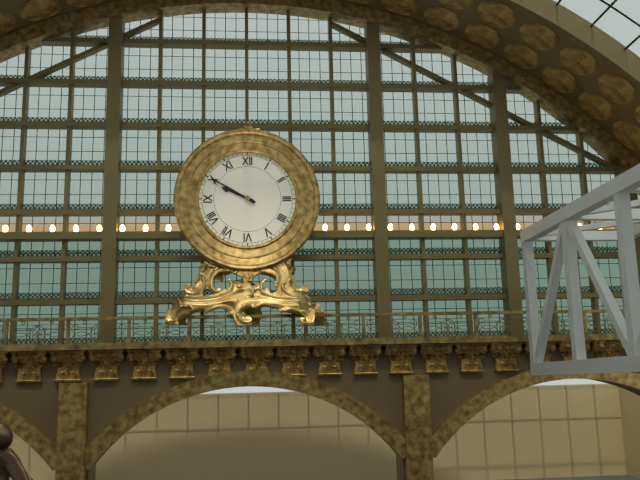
9,50
